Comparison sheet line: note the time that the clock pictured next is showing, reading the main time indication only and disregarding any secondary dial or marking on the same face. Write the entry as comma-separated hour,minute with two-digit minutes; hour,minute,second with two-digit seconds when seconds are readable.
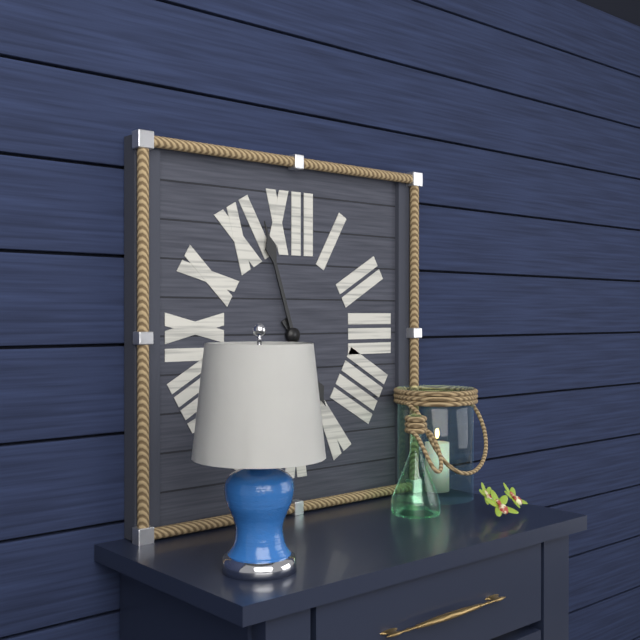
4,57
